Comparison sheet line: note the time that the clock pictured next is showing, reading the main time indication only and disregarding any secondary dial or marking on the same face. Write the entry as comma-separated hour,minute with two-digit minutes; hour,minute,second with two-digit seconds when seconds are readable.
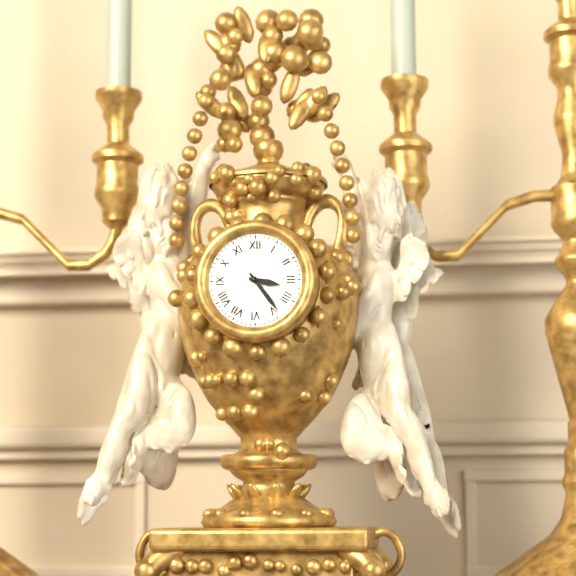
3,24
